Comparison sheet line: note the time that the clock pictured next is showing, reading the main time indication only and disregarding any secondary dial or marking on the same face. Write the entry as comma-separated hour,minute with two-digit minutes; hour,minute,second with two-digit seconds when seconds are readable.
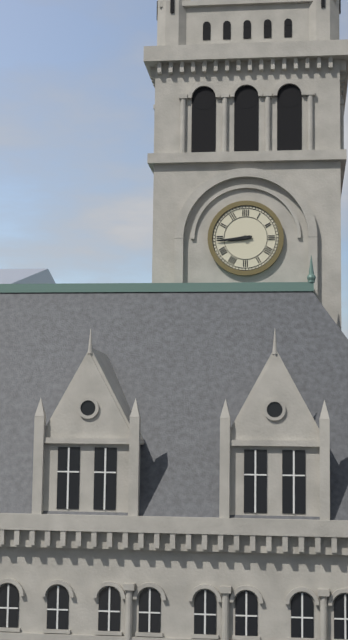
8,44
